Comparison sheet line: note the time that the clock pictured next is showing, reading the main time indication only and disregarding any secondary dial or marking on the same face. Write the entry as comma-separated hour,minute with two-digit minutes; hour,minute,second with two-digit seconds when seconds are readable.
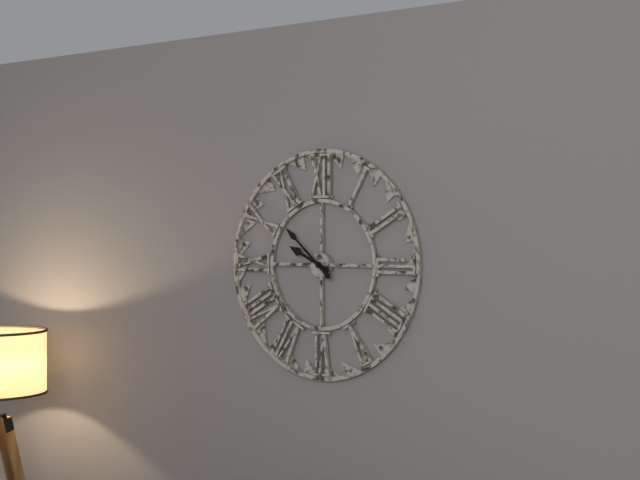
9,52
